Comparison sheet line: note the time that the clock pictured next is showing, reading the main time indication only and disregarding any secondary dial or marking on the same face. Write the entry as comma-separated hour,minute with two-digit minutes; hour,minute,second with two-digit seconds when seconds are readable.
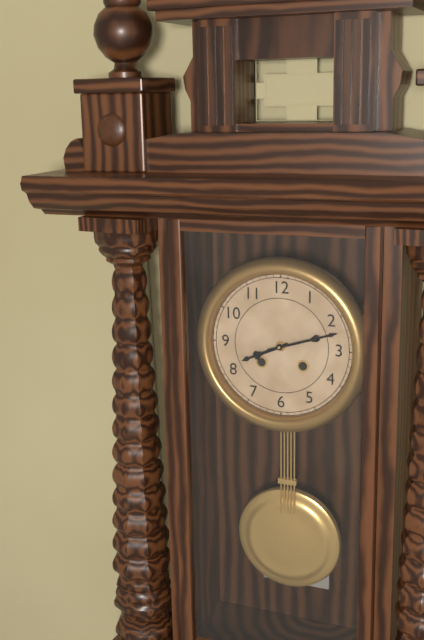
8,12
